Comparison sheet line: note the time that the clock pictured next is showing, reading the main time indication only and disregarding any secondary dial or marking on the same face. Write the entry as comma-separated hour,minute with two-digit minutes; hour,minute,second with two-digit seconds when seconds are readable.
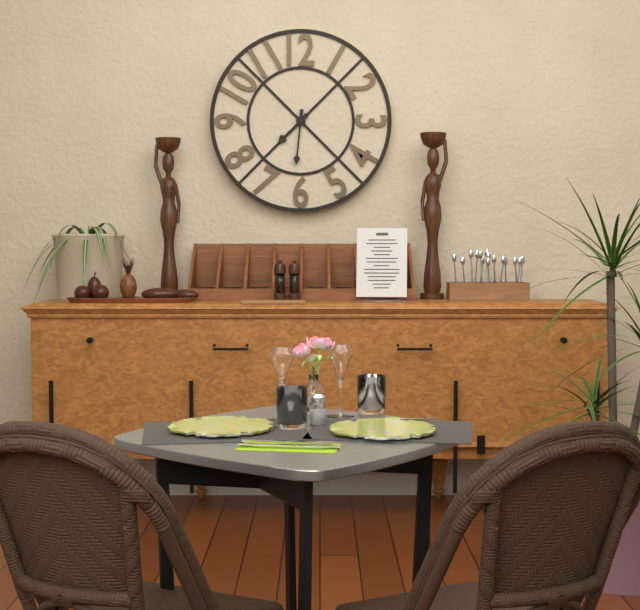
7,31
